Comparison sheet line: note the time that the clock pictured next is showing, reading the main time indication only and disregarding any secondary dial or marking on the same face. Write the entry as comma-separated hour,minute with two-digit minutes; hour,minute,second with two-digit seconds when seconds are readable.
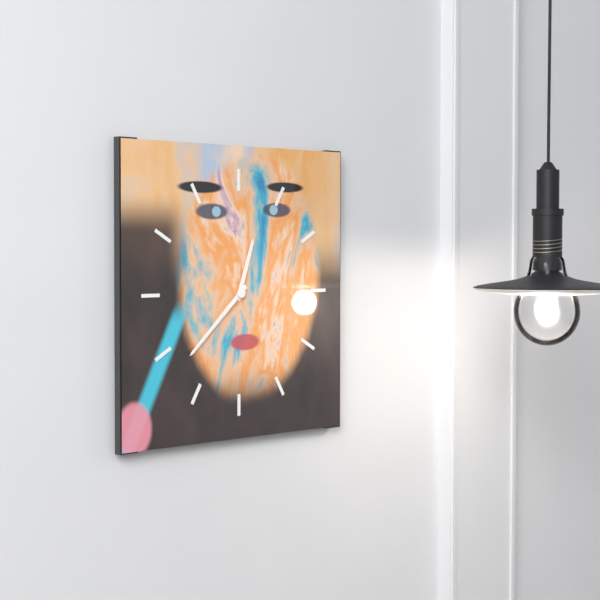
12,38
